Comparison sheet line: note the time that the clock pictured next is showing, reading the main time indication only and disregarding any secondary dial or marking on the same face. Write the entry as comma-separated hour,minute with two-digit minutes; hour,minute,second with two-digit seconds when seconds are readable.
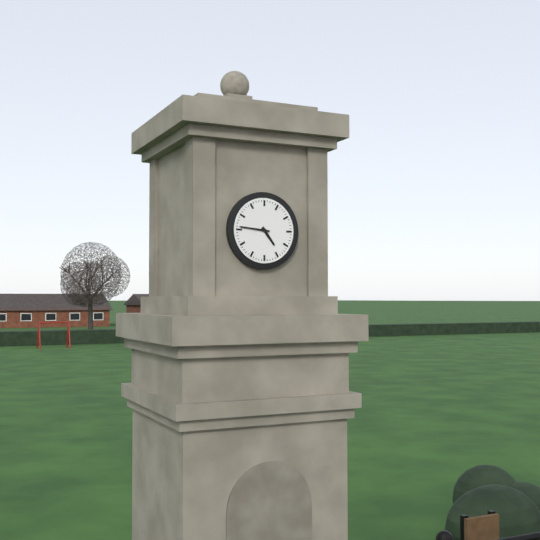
4,46
